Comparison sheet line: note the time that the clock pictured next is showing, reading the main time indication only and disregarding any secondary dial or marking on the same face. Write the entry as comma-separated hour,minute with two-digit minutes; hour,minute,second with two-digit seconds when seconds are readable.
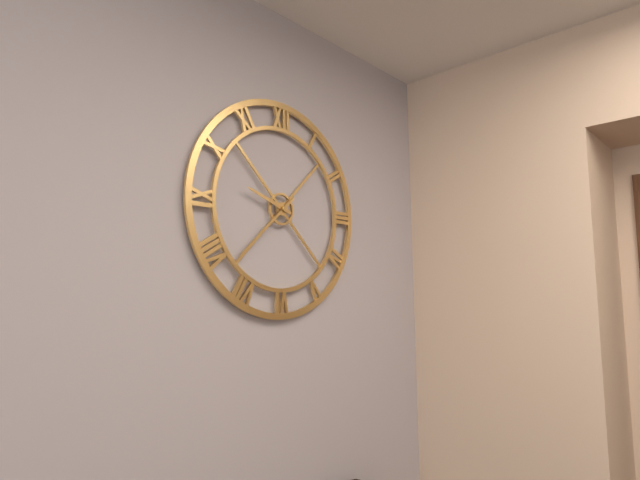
9,38
